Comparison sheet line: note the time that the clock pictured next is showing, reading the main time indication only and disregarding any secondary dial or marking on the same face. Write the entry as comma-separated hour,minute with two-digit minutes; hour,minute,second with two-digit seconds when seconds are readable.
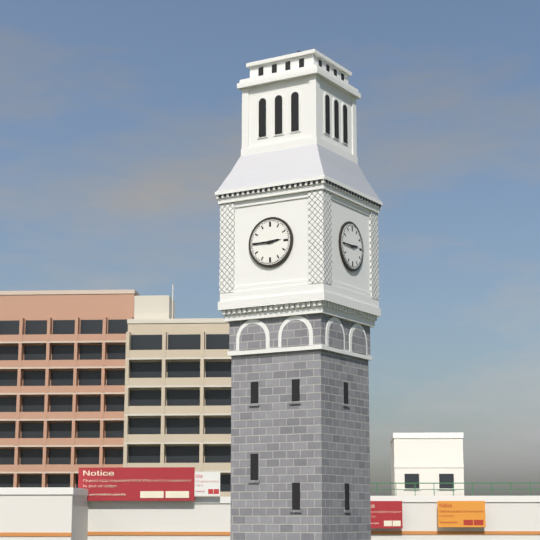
2,45
